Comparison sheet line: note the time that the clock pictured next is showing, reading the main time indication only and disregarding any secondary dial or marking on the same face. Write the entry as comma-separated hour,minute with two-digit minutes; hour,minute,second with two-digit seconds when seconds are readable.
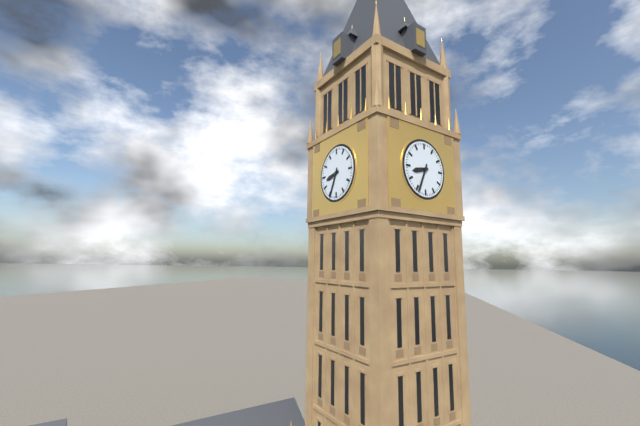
8,34
